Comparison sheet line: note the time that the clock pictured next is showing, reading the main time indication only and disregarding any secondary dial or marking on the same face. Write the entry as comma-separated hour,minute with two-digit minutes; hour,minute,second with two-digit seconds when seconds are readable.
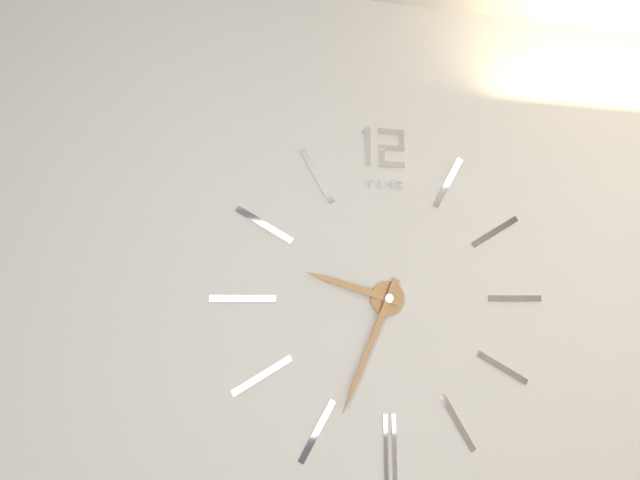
9,34
